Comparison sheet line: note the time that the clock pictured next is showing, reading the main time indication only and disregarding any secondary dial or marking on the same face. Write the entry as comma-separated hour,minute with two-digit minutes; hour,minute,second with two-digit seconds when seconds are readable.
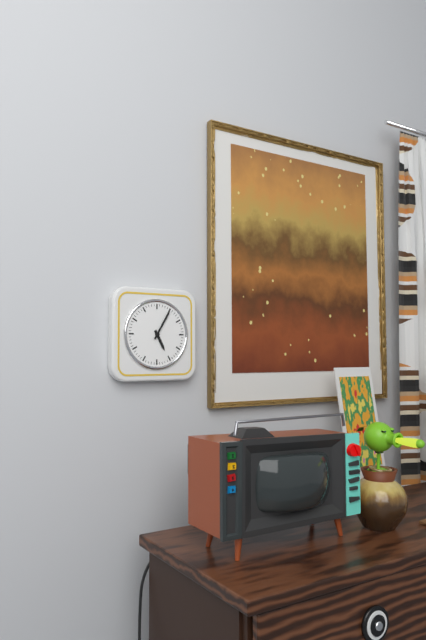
5,05
